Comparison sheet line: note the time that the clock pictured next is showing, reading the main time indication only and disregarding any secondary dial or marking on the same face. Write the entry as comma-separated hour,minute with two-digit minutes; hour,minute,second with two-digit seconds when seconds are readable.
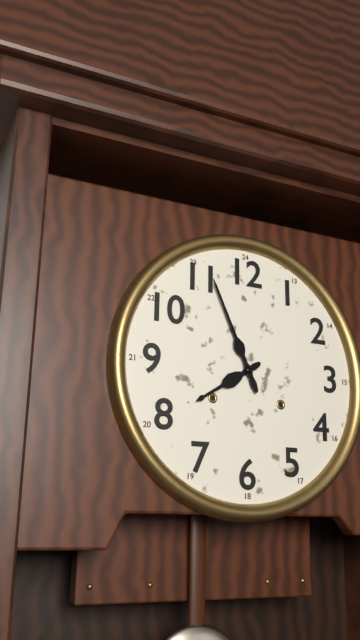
7,56
